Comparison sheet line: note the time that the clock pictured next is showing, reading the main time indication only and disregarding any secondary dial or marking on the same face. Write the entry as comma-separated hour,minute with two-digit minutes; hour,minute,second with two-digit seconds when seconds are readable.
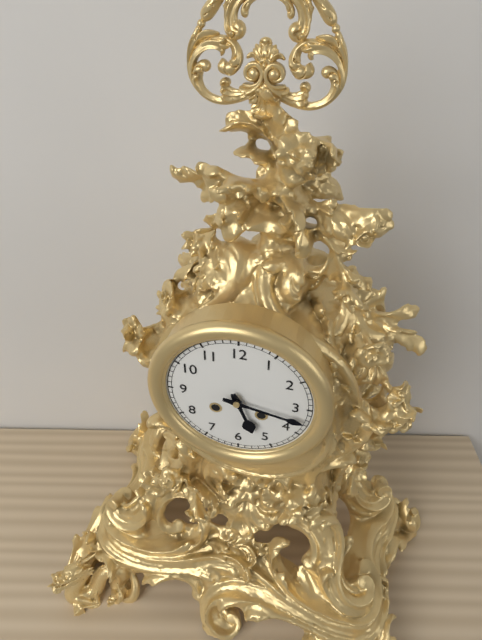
5,17
